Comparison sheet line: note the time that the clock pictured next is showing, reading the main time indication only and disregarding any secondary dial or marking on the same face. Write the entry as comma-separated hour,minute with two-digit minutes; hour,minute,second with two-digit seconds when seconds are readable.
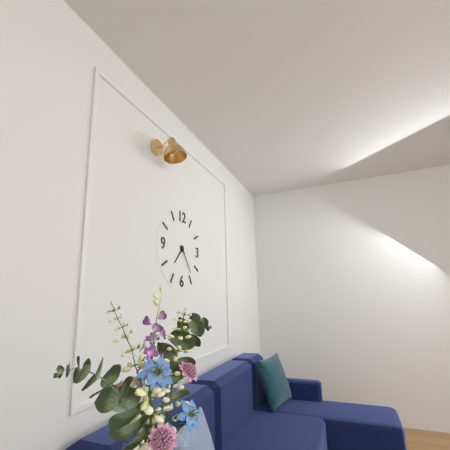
7,24
